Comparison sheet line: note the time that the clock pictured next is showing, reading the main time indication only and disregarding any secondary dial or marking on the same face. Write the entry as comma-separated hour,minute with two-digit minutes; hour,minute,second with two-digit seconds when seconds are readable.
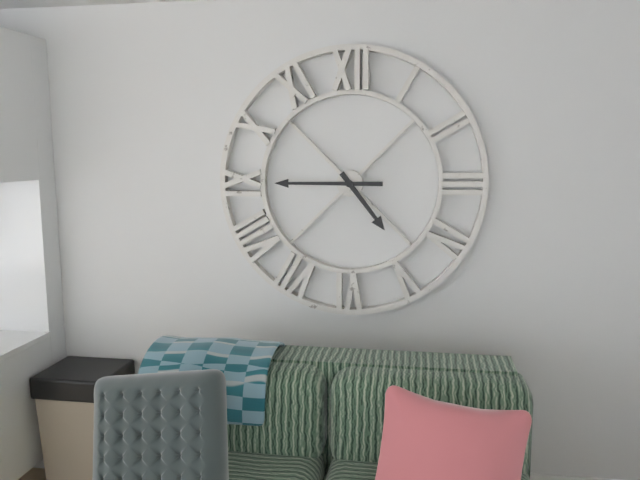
4,45
